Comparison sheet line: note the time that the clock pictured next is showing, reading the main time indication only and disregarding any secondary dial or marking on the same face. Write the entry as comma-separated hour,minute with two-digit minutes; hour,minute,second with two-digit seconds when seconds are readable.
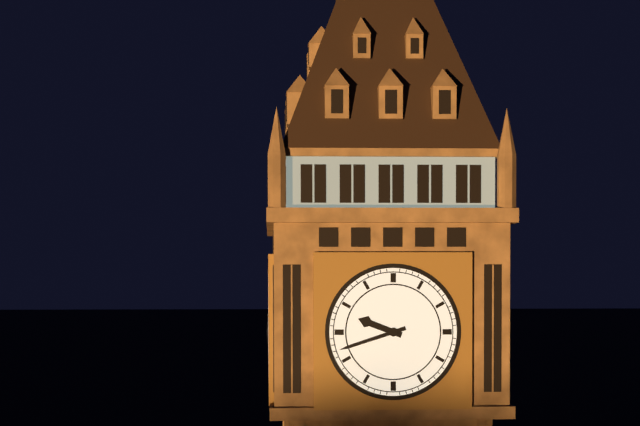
9,42
